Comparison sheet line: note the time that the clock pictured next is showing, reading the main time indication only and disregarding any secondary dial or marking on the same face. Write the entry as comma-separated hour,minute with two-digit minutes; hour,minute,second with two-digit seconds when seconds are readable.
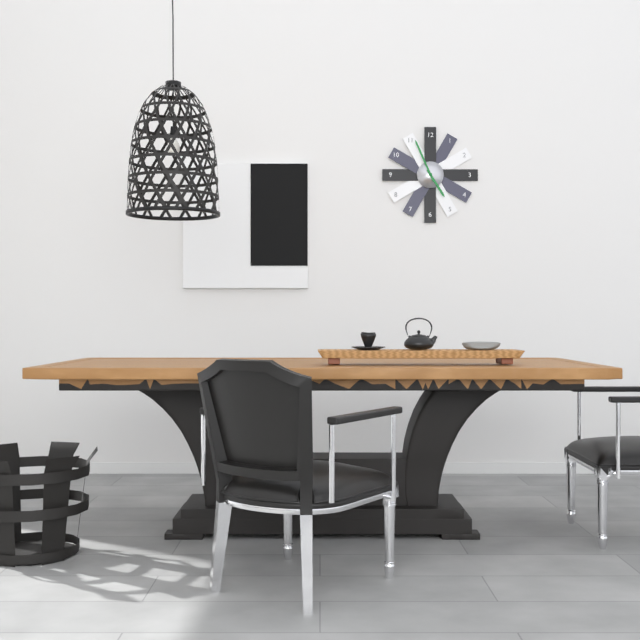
4,56
